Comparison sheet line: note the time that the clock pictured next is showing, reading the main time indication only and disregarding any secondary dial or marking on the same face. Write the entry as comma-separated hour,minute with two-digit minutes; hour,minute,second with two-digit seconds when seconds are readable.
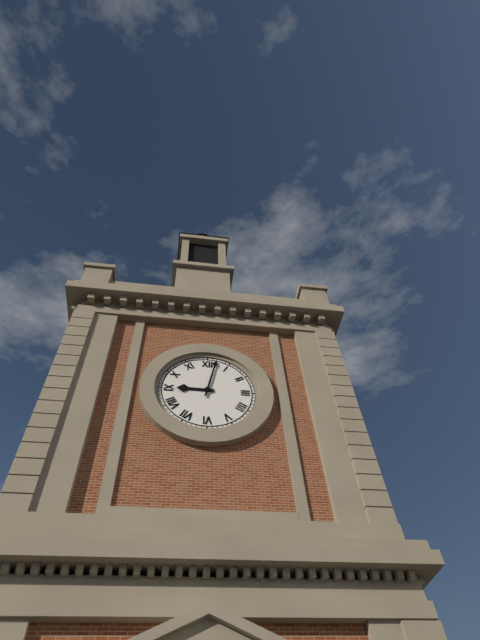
9,02
